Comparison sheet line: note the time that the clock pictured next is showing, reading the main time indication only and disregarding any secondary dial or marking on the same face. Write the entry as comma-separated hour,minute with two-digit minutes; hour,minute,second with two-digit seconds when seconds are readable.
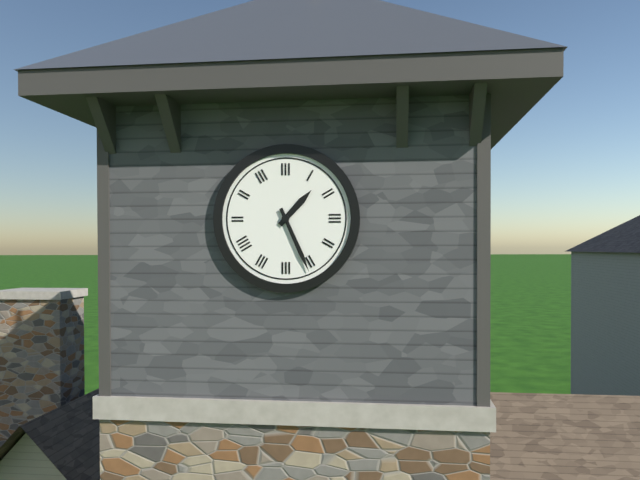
1,26
